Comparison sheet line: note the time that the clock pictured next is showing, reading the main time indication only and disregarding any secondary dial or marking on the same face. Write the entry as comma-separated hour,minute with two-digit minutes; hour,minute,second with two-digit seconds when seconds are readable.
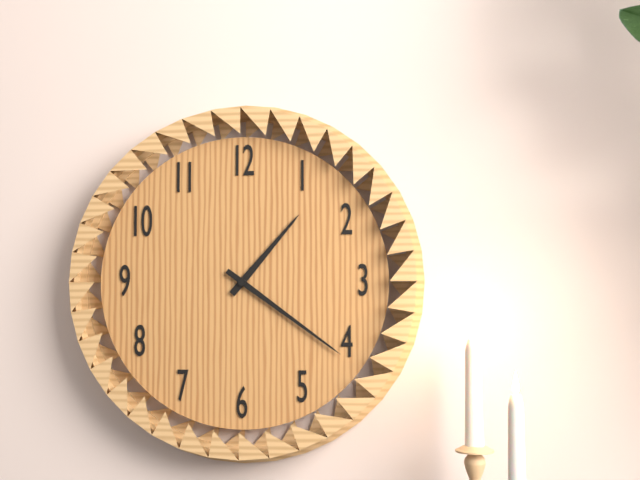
1,21
